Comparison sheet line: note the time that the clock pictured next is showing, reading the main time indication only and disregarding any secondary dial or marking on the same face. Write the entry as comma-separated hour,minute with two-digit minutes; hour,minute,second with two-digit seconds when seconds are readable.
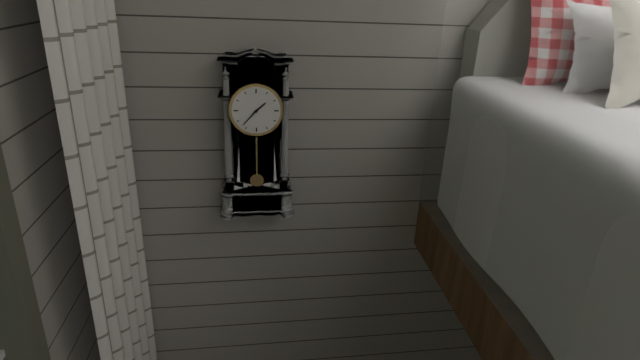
1,37
